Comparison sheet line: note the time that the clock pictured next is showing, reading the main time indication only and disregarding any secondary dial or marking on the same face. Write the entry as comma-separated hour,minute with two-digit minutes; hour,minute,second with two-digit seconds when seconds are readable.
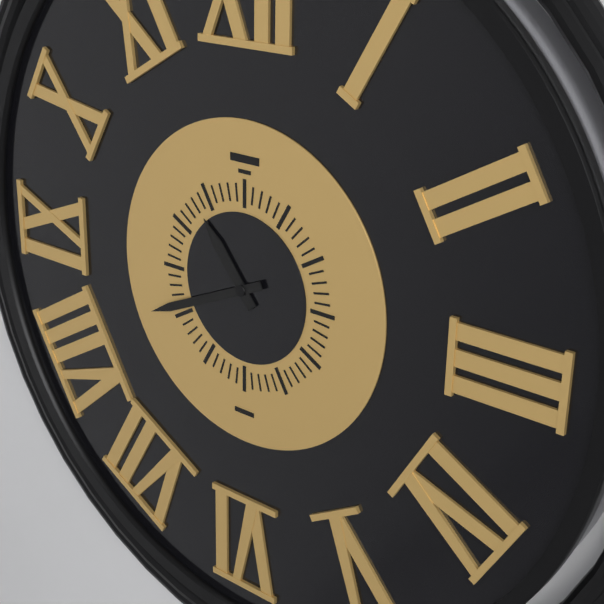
10,41
